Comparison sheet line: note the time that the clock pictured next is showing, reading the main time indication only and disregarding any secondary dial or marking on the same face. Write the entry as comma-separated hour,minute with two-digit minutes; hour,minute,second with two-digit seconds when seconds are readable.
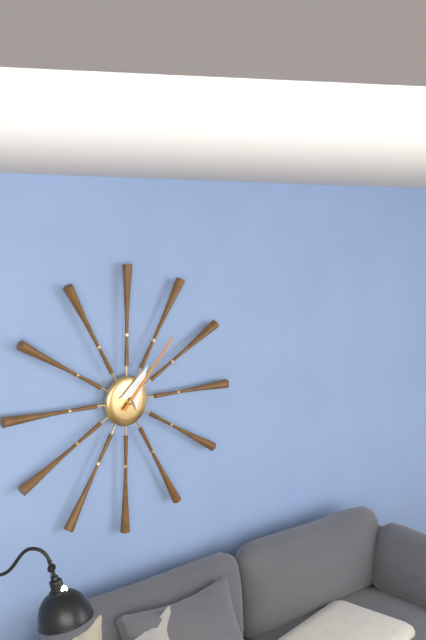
1,07
